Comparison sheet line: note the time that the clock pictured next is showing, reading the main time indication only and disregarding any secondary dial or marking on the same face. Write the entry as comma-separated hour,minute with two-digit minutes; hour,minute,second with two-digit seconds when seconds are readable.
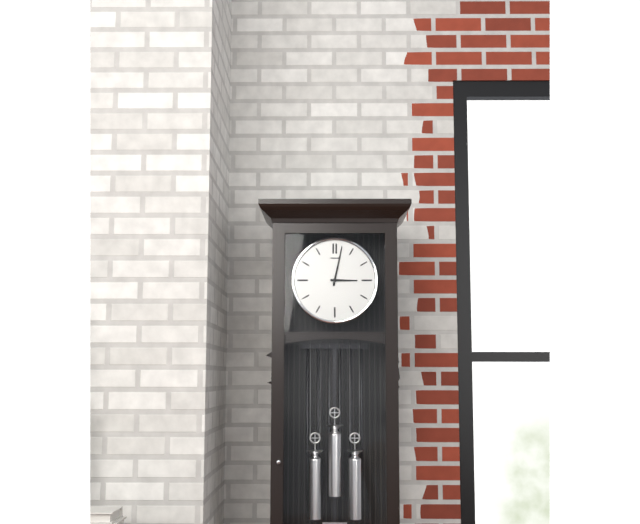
3,02
